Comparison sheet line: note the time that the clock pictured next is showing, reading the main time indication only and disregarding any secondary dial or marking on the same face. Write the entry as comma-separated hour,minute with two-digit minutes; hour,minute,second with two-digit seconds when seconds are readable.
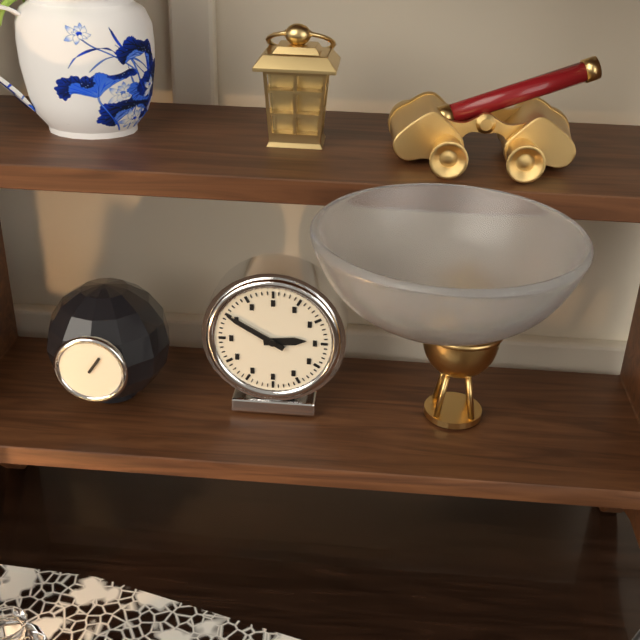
2,50
